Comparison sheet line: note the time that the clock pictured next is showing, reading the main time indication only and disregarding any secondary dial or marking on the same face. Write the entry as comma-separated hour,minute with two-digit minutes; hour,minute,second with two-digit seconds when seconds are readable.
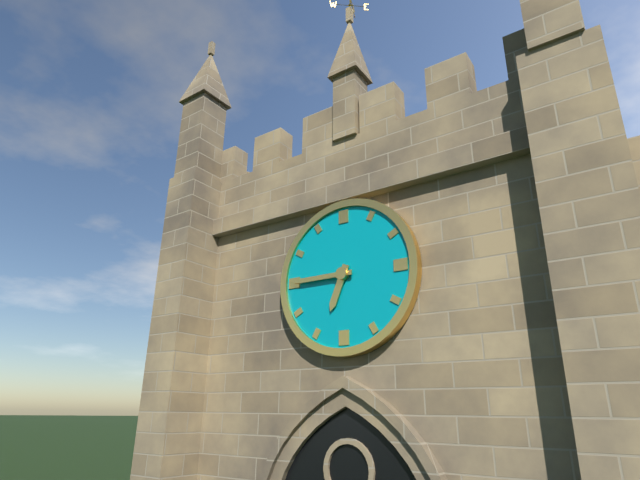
6,45
